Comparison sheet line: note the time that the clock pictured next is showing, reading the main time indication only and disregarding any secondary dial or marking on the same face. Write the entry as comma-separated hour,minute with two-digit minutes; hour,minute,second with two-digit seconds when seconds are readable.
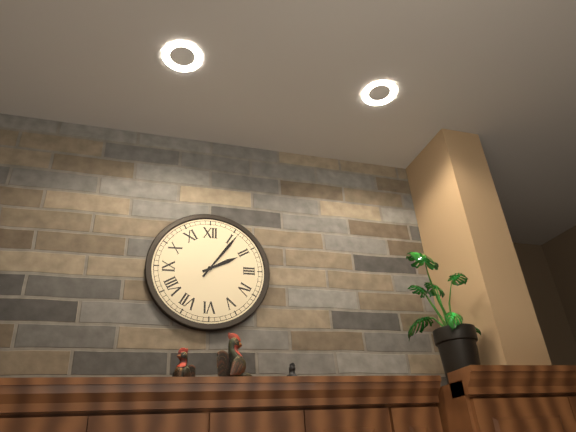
2,06
